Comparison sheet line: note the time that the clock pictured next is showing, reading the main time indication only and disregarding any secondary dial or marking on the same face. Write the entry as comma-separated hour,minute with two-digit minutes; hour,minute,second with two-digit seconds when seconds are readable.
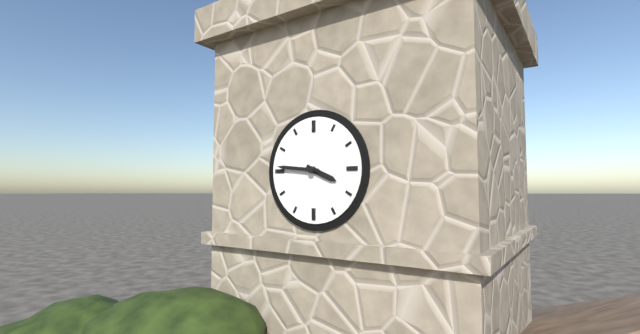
3,46
